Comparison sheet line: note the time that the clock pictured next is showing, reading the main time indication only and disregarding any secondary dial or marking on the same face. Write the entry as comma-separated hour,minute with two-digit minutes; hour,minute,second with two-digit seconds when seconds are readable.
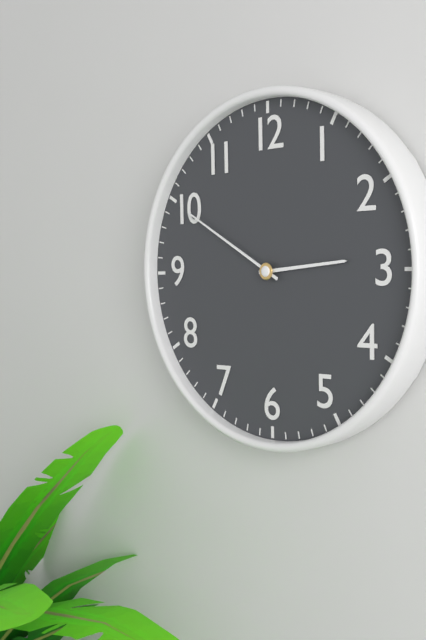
2,50
